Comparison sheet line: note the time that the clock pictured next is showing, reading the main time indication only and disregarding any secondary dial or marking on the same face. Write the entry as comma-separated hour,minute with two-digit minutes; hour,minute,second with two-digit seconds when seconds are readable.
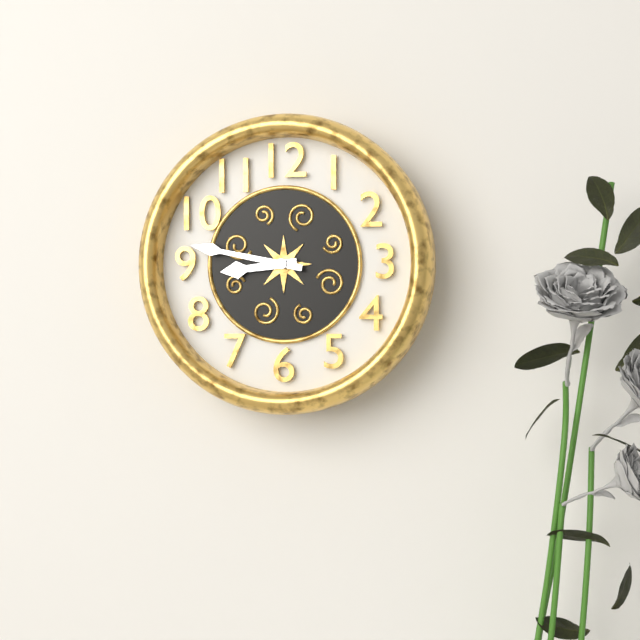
8,47
